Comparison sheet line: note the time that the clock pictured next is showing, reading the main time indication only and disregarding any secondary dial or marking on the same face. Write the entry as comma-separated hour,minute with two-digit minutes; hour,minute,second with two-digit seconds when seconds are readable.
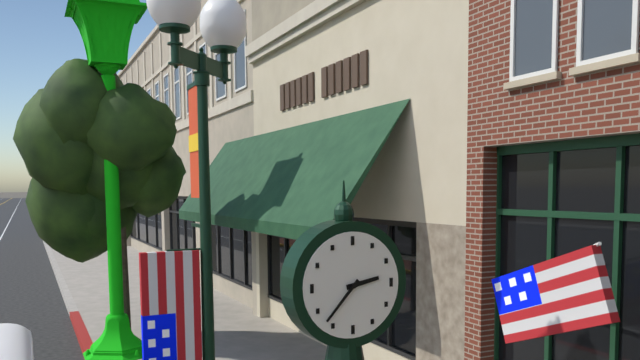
2,37
